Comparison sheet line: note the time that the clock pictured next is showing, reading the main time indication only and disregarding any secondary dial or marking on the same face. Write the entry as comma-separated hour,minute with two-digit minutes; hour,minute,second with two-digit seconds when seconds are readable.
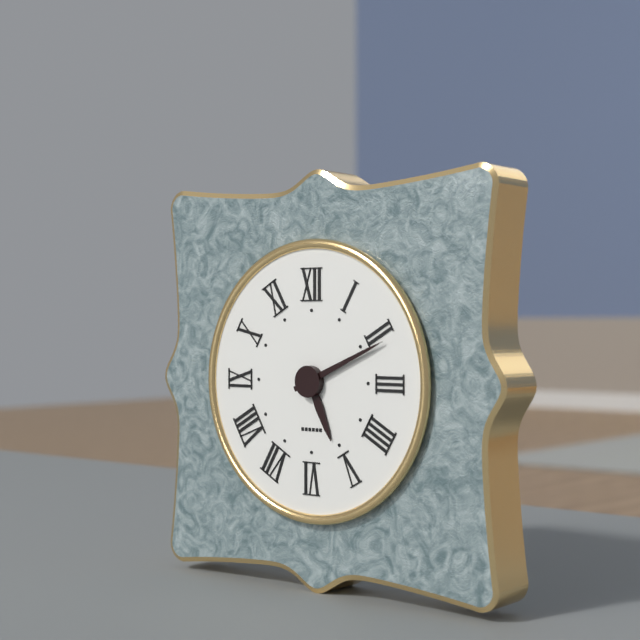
5,11
